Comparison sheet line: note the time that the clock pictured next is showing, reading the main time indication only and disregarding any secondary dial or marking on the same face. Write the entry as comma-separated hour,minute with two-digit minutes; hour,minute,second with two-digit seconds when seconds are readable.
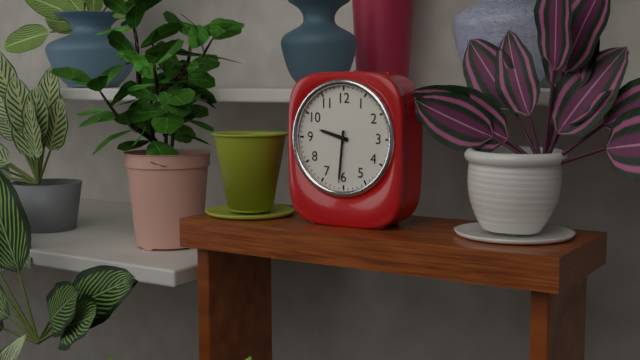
9,31
